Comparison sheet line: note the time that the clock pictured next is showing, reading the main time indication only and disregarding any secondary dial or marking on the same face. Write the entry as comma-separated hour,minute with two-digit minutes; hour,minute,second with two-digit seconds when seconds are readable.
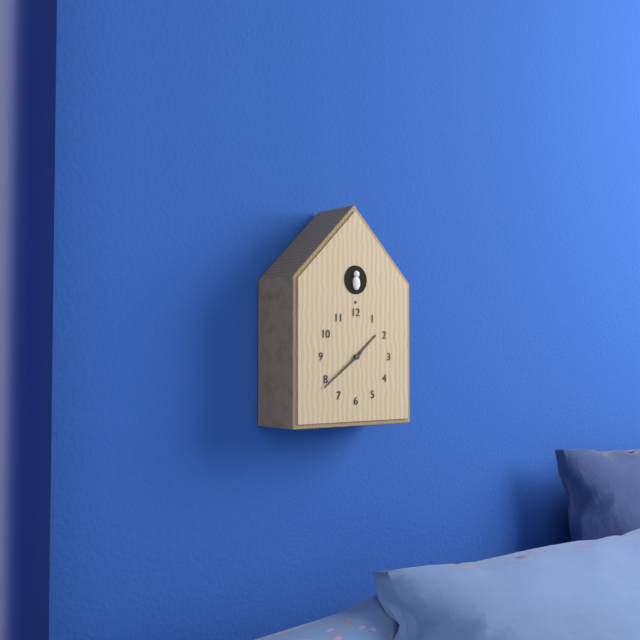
1,39
